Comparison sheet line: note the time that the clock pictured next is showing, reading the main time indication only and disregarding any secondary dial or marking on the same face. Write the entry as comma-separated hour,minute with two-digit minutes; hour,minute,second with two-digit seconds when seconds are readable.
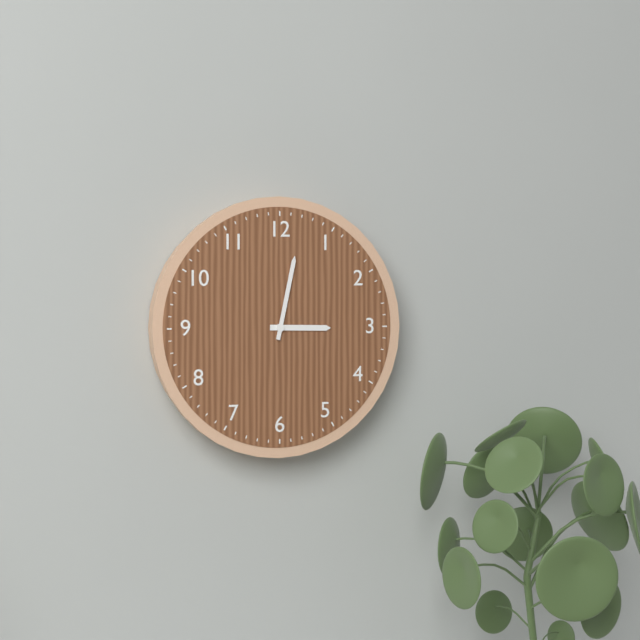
3,02
